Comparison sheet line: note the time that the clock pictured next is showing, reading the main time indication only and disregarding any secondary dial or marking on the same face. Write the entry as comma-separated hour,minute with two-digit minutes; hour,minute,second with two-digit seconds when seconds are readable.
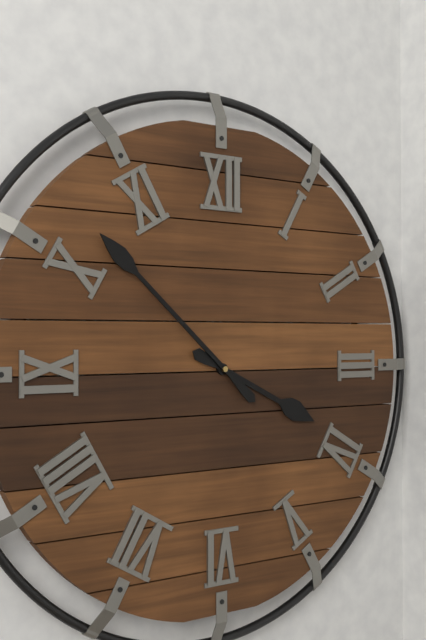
3,52
